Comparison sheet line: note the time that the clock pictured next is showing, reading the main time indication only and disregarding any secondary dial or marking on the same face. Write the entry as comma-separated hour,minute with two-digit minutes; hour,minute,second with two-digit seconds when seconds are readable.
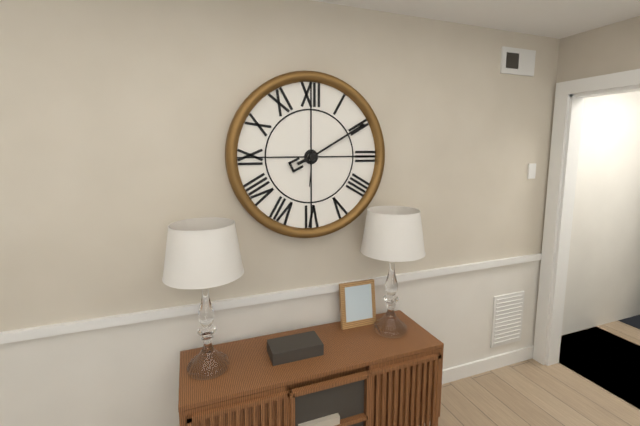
8,10
